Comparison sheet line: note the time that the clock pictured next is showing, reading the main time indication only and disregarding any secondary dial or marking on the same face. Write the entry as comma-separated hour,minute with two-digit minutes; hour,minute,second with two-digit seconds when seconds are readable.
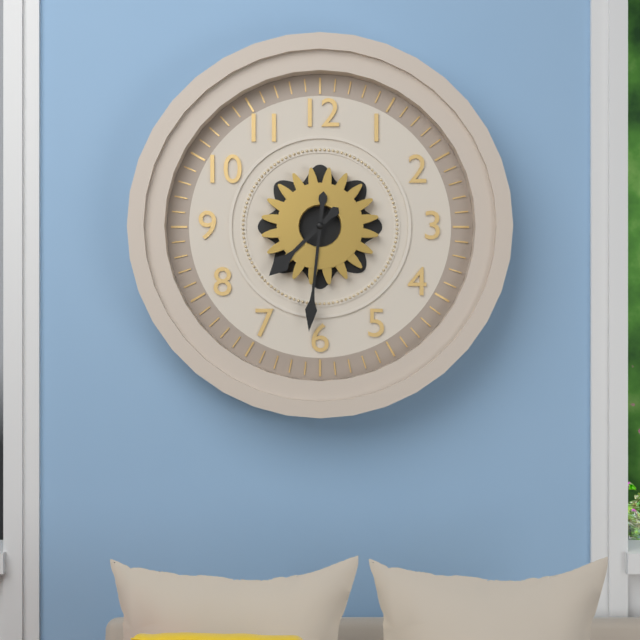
7,31
